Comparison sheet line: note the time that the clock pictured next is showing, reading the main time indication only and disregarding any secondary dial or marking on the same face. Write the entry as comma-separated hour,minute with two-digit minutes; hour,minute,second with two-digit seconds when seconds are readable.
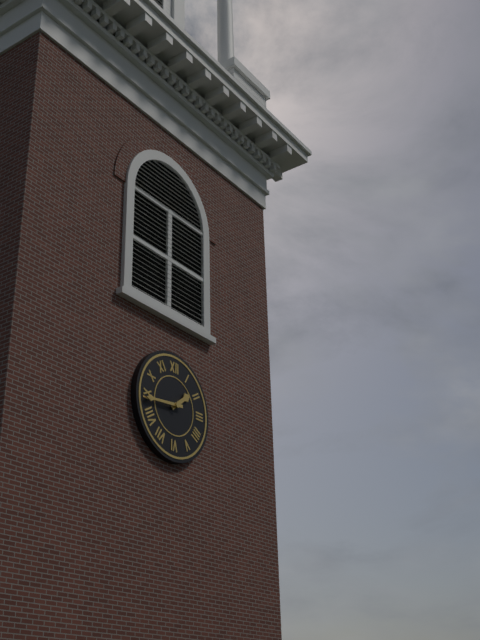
1,44
